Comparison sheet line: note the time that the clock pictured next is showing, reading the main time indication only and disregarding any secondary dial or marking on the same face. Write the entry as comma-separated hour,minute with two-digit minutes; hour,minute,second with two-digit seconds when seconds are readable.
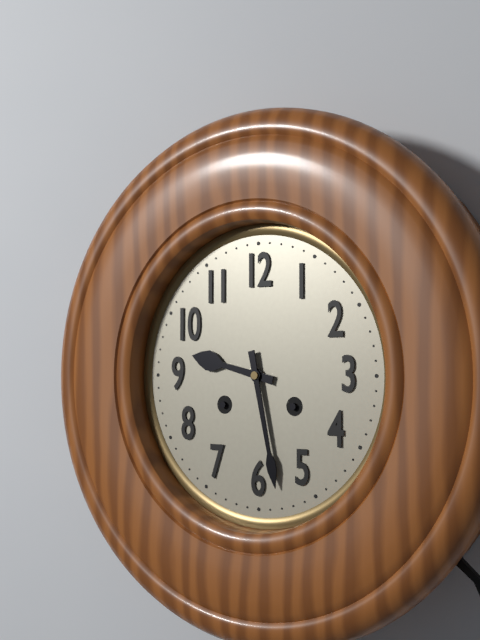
9,28
